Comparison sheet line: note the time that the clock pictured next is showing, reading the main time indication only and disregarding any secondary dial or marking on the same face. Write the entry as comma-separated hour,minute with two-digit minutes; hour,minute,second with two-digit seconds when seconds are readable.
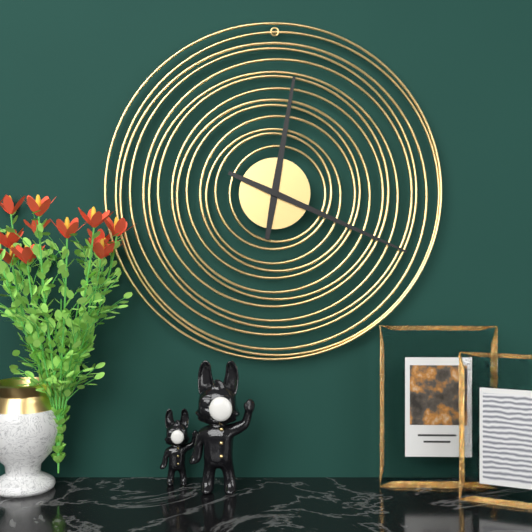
12,19
